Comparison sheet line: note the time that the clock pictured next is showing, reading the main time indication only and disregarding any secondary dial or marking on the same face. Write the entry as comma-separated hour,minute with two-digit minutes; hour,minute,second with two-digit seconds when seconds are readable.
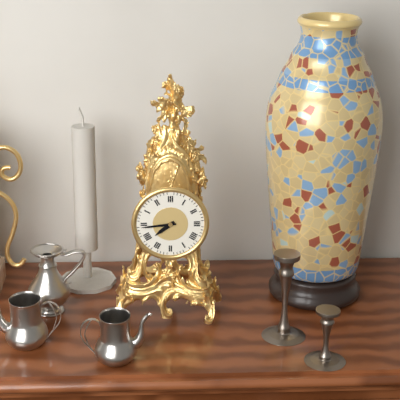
7,44
